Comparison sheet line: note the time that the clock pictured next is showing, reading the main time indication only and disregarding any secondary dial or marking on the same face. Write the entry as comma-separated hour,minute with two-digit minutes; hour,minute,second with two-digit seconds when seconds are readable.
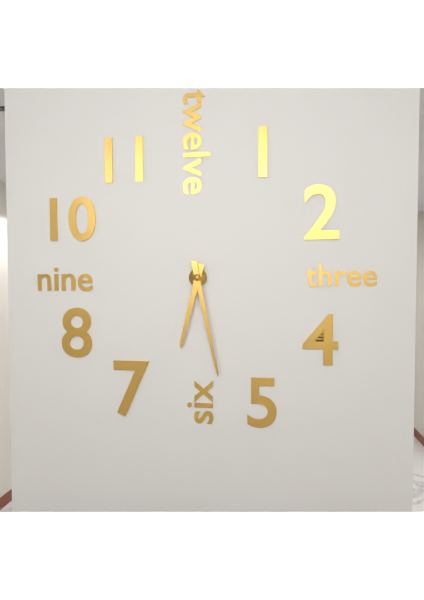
6,28
